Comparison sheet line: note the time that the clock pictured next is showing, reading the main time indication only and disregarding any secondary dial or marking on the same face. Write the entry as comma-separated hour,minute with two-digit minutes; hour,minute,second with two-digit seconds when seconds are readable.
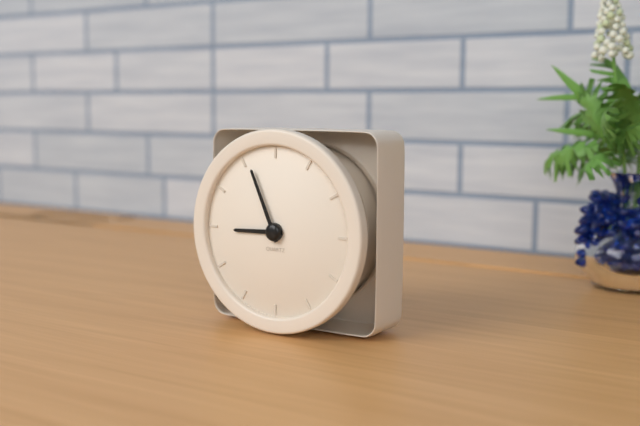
8,56
